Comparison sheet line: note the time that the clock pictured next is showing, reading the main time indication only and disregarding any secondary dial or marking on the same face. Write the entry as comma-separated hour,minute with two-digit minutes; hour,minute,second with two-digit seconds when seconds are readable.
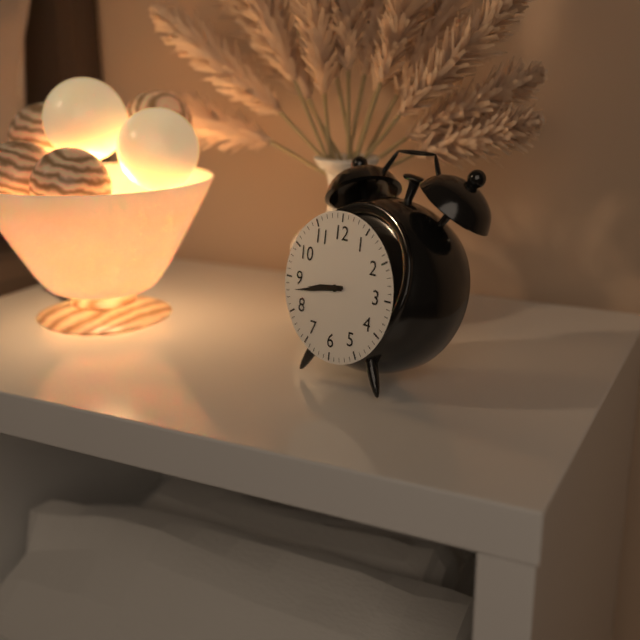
8,43
